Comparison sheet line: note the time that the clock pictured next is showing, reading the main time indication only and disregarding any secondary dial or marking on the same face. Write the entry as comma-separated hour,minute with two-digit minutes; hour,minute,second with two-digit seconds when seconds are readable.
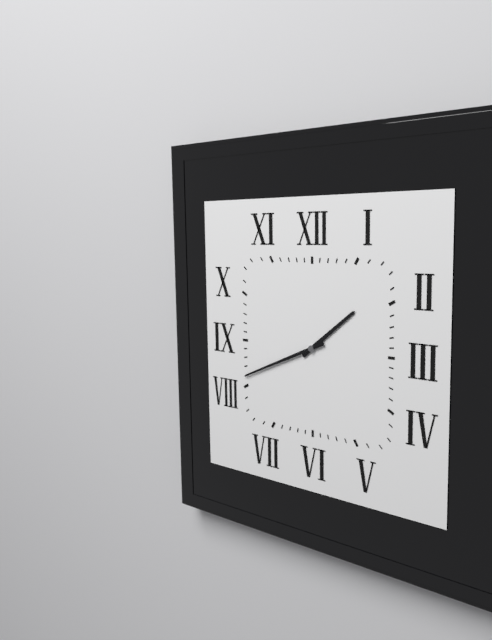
1,41
